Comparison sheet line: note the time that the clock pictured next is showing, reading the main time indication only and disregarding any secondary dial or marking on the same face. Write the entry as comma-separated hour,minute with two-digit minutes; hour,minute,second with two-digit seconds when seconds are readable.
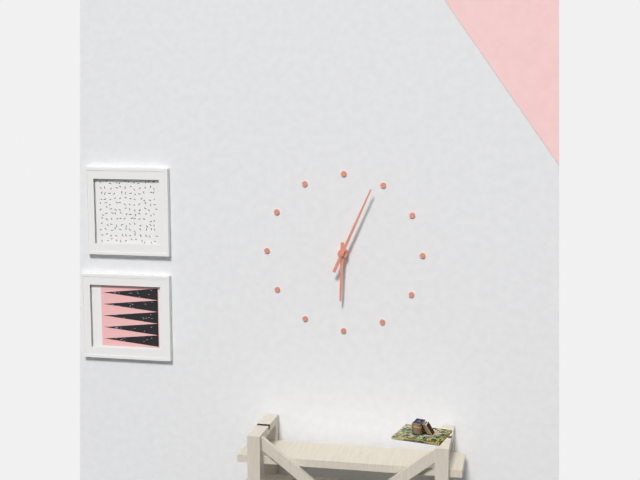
6,04
